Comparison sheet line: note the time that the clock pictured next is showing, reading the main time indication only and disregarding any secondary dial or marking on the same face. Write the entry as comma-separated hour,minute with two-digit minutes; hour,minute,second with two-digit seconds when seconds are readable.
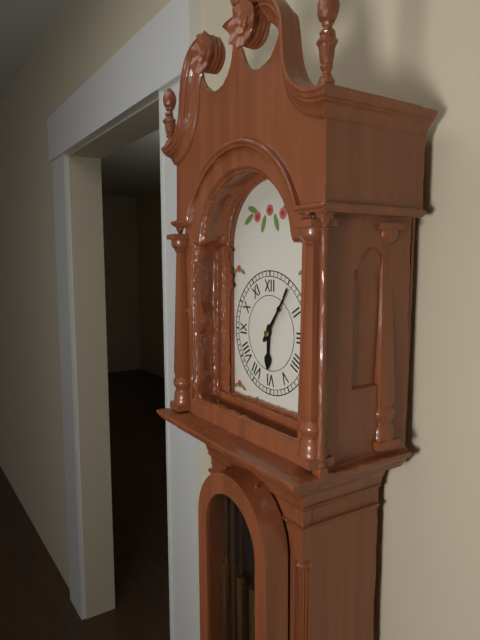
6,06
